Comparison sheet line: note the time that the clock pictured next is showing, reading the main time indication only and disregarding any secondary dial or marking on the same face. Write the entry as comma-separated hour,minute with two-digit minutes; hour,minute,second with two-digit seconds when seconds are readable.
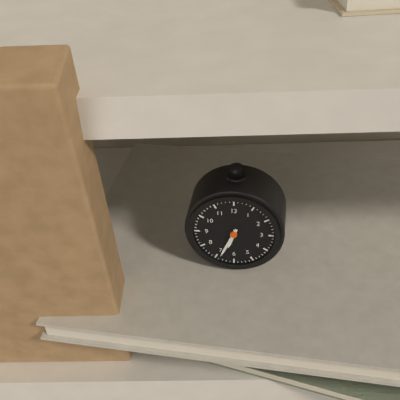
6,34
